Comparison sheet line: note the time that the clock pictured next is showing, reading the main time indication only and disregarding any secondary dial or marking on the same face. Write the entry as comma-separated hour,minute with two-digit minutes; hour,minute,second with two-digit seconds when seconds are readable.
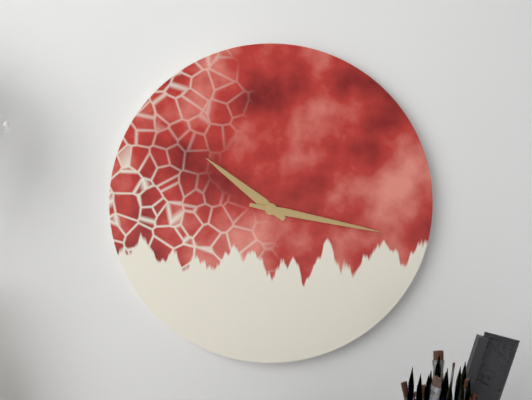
10,17
